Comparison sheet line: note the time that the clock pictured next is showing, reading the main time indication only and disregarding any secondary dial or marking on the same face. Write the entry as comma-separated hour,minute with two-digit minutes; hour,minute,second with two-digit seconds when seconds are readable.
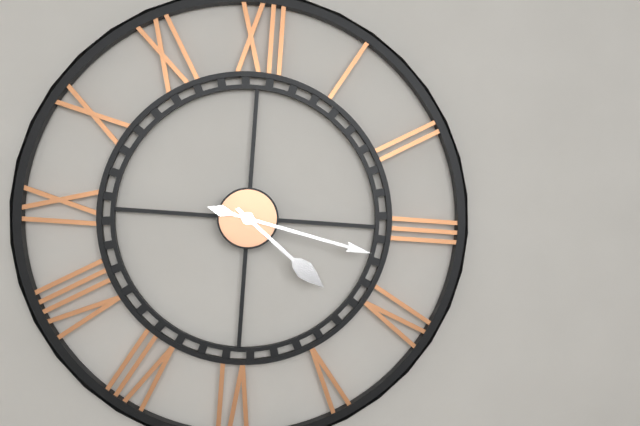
4,17
